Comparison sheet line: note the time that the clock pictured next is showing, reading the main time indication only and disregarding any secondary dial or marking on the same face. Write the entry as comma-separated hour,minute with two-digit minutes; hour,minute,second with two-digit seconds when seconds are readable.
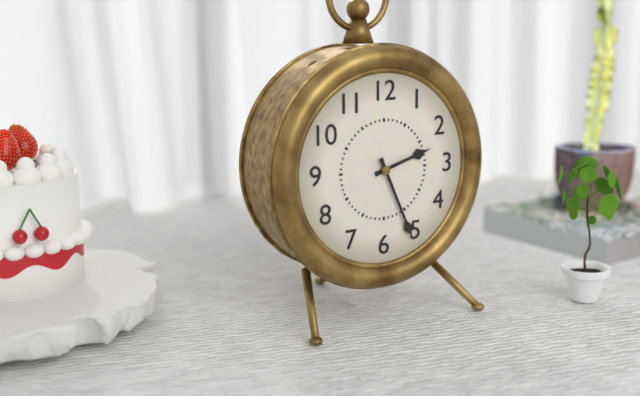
2,26
